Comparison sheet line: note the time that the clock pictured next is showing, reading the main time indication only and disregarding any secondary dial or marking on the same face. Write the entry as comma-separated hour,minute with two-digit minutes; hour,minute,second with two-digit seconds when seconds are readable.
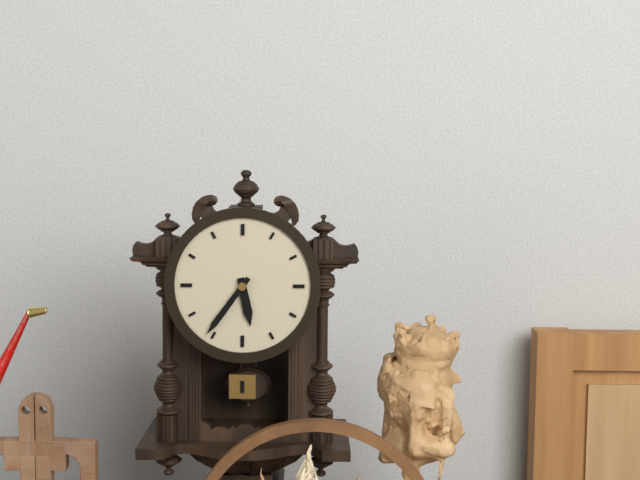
5,36
